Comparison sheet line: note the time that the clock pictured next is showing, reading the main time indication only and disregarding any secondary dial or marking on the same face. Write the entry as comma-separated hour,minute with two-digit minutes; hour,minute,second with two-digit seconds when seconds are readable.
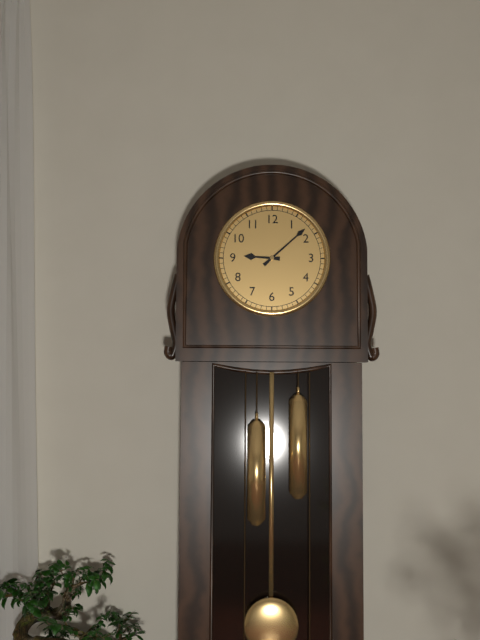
9,08
